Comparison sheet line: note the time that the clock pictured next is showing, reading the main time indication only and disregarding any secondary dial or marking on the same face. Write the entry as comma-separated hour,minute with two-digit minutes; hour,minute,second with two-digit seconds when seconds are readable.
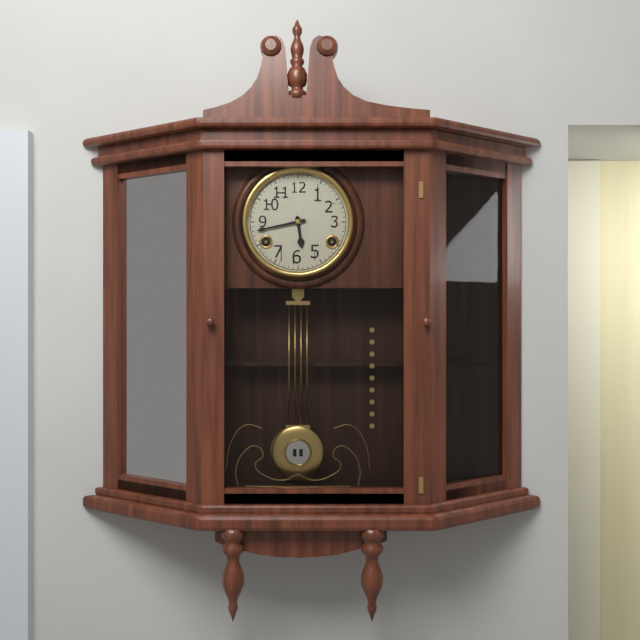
5,43
